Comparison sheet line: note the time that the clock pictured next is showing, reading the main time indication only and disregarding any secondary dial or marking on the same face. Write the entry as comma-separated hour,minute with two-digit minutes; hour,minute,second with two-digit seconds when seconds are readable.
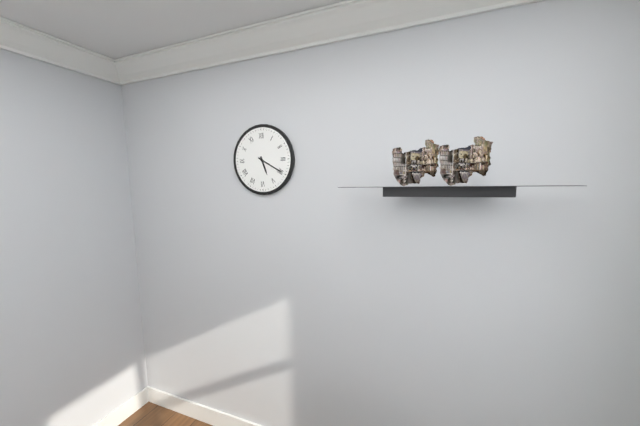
5,20
